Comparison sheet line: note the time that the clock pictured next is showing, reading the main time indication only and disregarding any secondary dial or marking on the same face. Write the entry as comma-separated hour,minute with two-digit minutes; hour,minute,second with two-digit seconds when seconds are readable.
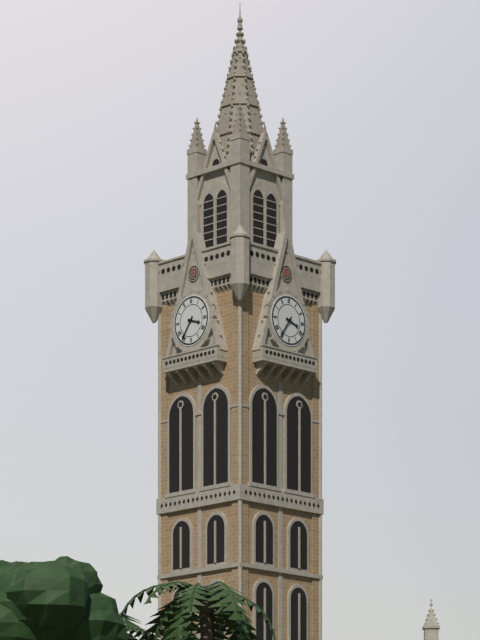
3,36
